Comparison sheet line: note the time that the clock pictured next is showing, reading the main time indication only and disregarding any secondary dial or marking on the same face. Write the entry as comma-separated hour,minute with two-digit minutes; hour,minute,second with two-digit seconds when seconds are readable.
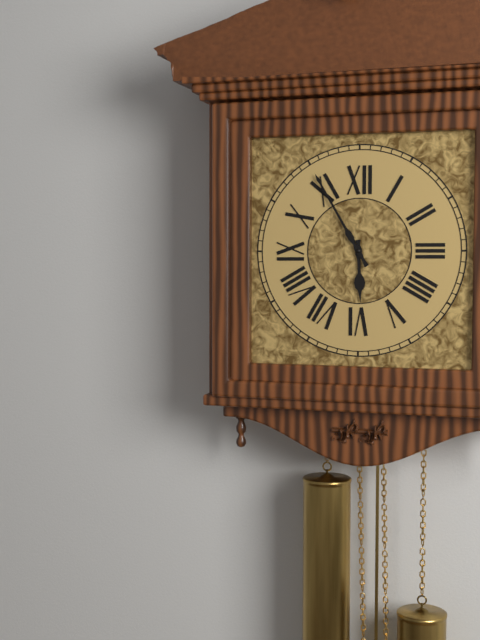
5,55
